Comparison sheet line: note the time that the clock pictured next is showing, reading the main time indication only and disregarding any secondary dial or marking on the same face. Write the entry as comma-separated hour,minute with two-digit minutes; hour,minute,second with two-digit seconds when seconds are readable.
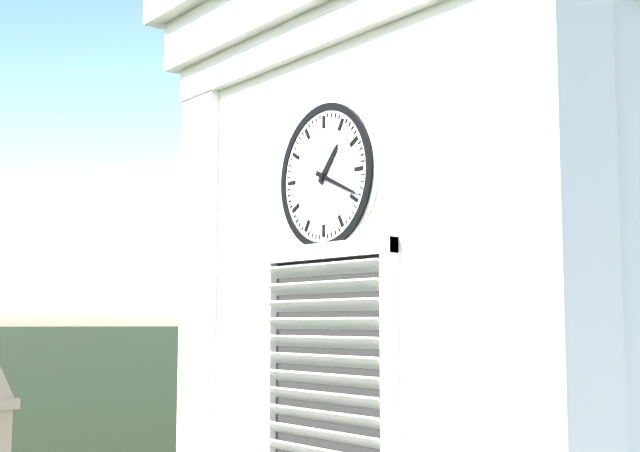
1,19
